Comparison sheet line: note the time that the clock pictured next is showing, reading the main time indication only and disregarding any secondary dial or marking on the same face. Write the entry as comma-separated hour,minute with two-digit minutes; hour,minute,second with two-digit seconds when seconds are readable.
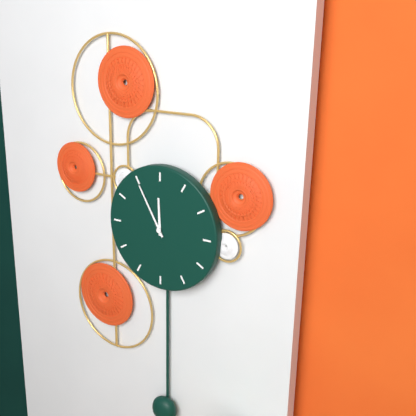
11,55
